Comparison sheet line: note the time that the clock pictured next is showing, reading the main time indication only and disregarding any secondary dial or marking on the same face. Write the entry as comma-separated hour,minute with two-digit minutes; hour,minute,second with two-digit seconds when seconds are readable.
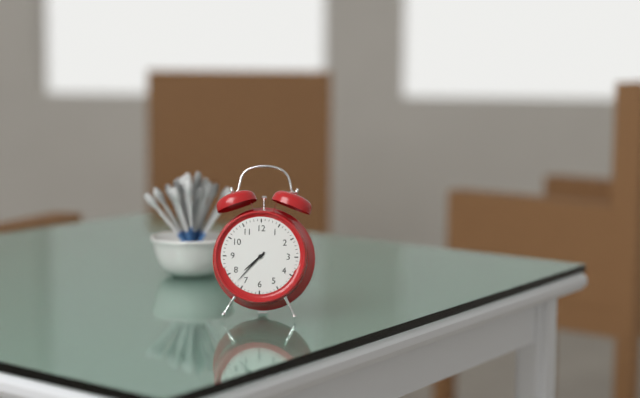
7,37
